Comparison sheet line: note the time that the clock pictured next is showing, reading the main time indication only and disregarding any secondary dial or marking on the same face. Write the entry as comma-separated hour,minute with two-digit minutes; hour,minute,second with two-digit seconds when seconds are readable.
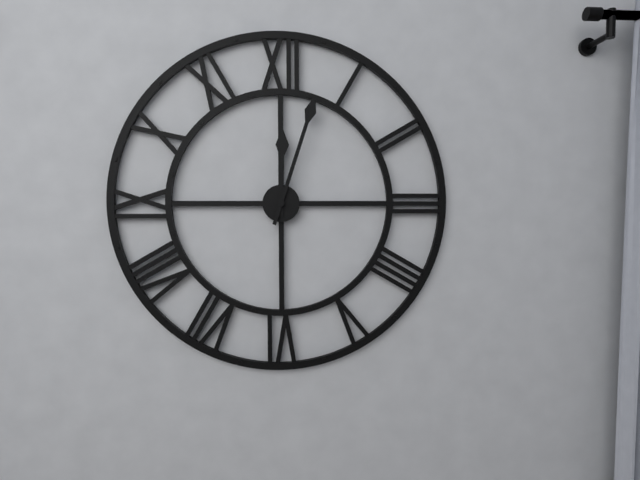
12,03
